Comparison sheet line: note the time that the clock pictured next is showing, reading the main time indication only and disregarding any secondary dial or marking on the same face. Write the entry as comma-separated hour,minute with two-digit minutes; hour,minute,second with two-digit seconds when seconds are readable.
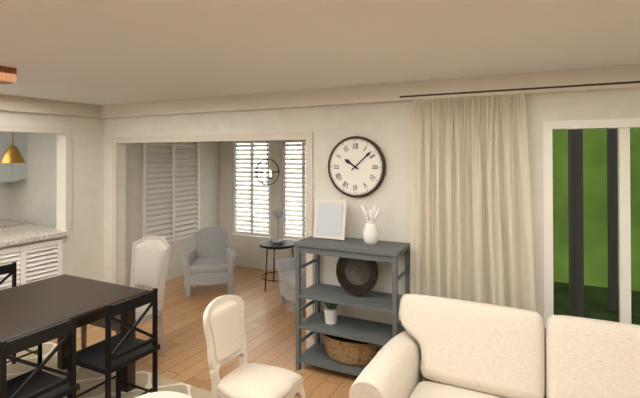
10,08
